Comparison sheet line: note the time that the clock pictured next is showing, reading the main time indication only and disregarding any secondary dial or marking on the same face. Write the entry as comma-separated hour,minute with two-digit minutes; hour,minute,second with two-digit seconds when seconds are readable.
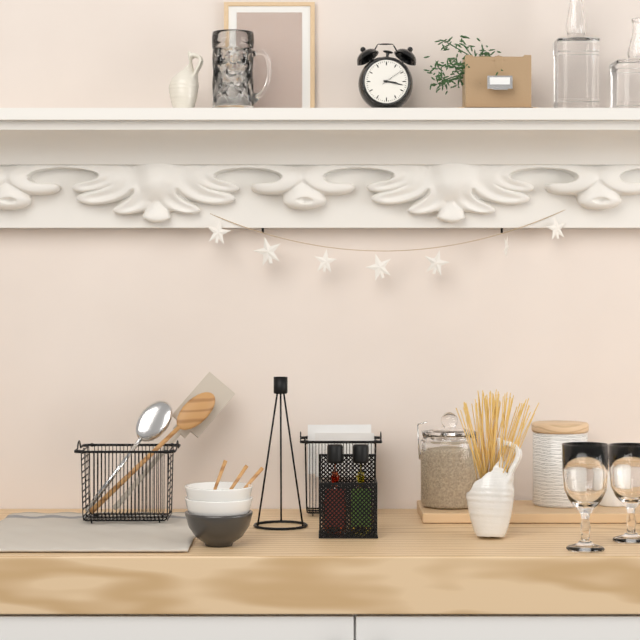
3,17
